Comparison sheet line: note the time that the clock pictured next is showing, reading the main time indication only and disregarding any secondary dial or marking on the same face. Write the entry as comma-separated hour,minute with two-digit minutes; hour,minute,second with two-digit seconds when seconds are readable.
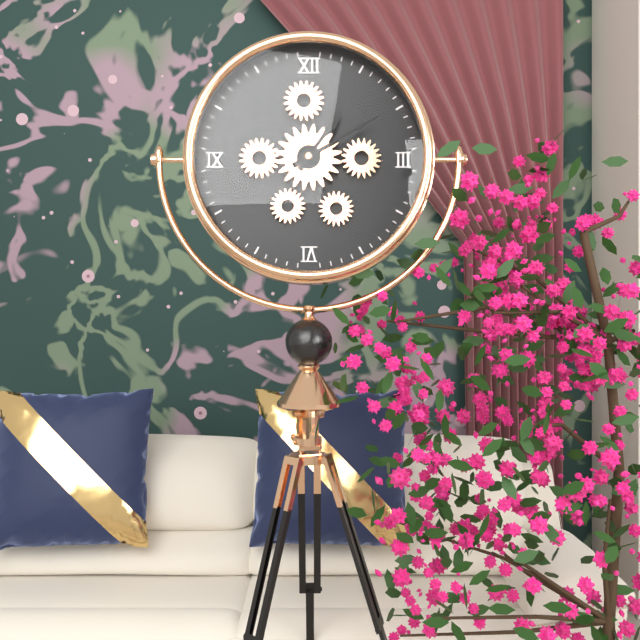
1,10
